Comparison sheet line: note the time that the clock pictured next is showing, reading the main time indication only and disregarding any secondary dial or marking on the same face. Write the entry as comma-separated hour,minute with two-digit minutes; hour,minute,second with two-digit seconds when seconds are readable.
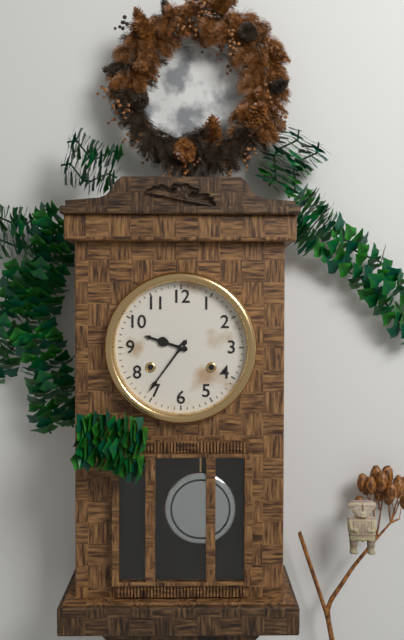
9,36
